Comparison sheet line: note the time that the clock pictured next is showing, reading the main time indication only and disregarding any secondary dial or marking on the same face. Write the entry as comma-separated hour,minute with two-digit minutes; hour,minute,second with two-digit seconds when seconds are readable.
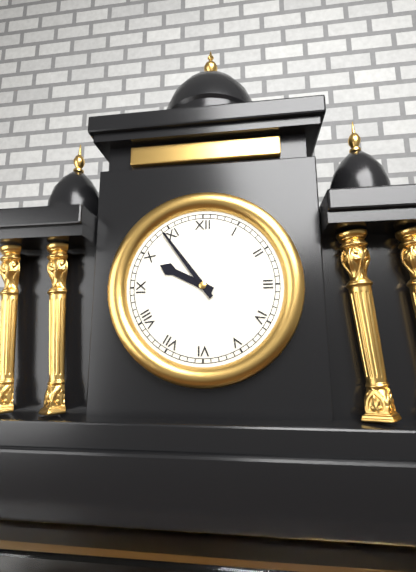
9,54
